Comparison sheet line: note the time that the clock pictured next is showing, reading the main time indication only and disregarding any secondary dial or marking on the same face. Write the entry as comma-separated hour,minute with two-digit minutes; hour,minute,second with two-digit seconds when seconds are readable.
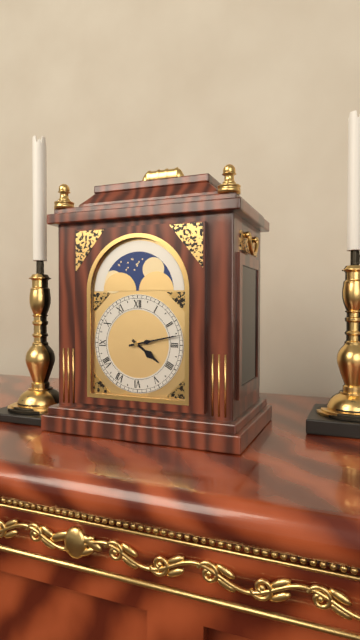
4,13
